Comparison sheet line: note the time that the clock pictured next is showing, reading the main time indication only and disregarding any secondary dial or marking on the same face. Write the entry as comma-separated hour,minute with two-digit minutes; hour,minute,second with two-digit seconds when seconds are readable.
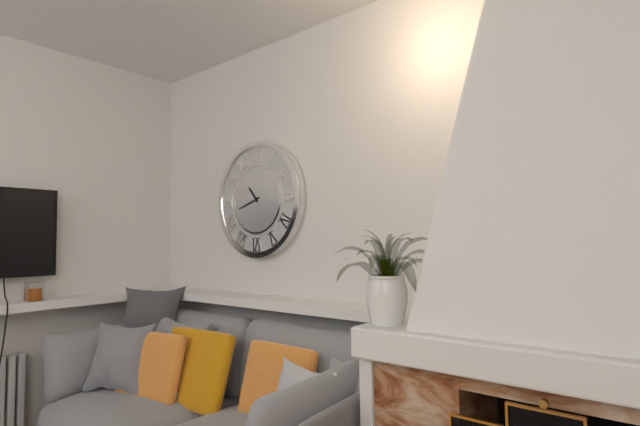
10,42
